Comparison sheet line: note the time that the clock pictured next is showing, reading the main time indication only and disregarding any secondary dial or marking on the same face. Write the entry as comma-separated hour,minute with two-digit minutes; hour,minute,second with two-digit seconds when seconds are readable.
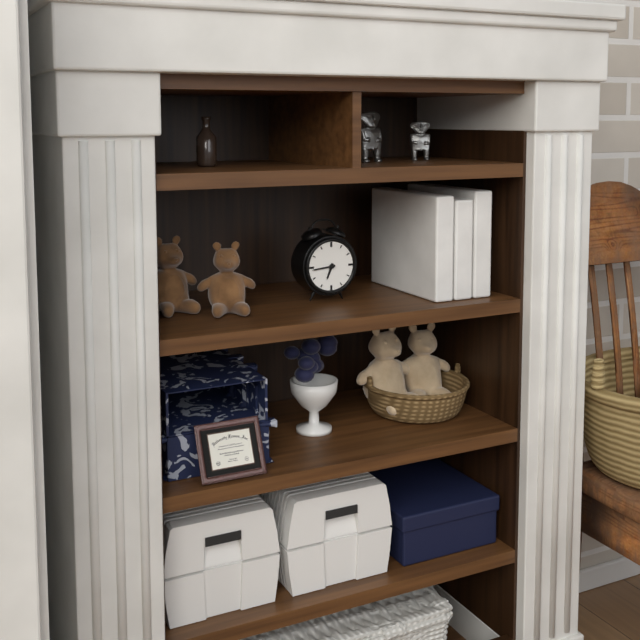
6,44
